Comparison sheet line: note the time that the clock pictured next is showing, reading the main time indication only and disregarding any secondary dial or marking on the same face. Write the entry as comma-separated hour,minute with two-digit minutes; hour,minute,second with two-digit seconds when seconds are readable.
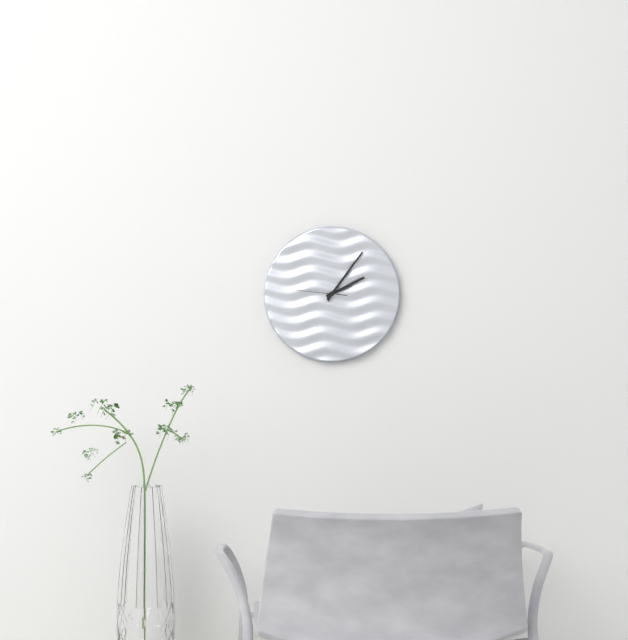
2,06
